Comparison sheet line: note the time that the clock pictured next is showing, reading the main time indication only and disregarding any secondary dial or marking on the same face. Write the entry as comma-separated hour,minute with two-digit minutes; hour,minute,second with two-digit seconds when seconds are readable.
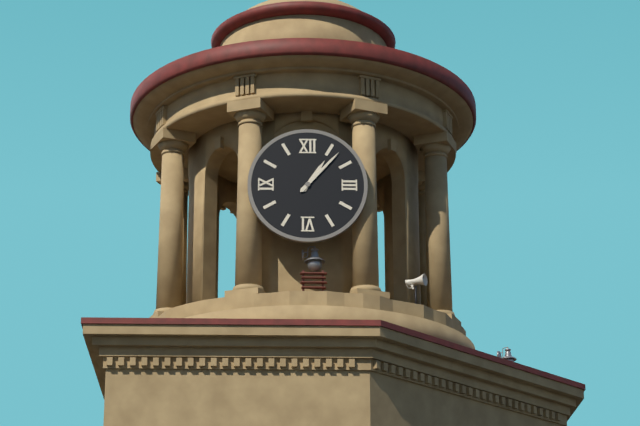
1,07
